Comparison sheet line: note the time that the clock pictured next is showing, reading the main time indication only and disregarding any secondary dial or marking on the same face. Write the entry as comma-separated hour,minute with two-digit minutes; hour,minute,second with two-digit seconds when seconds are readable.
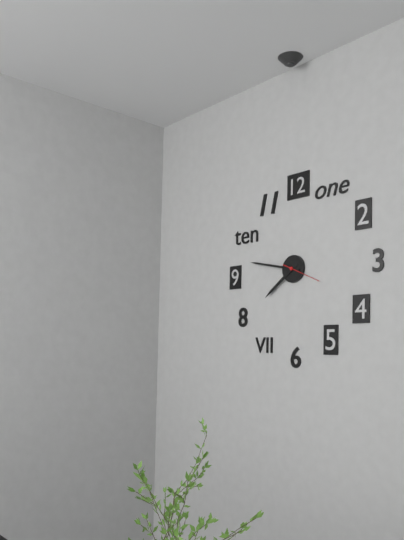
7,47
